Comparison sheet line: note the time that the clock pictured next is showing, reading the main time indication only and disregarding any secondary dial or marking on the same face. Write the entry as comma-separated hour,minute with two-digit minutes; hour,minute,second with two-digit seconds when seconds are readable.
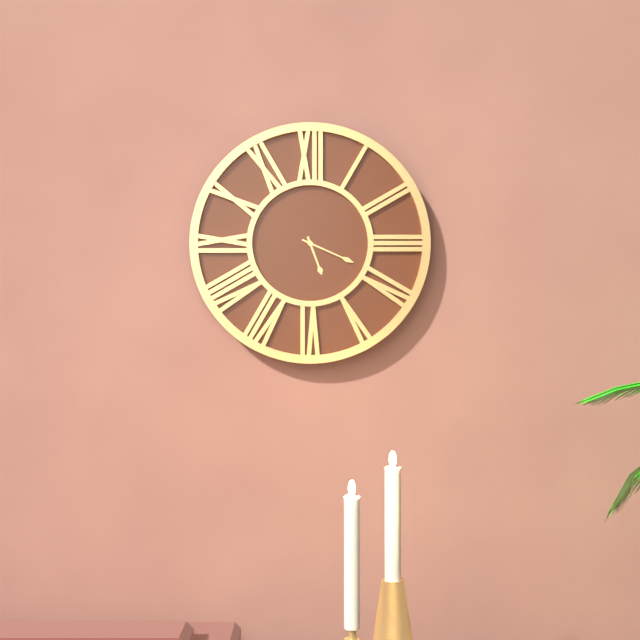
5,19
